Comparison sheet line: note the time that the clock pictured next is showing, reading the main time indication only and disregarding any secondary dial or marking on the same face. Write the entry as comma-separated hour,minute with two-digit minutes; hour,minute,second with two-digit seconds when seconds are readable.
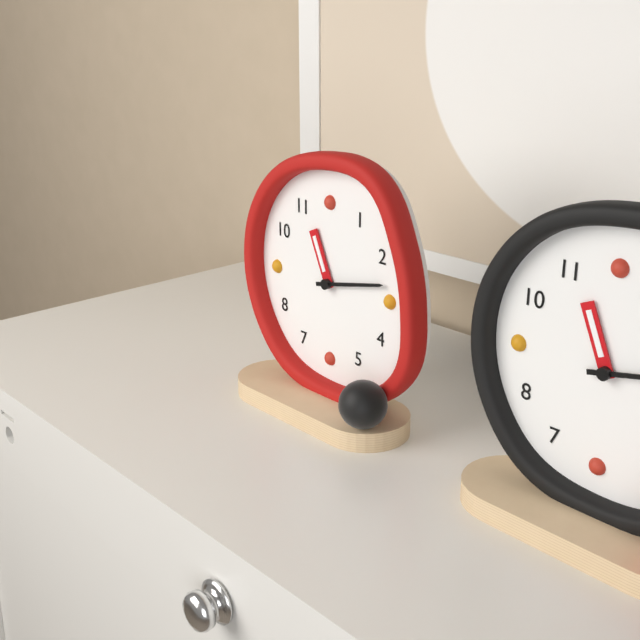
11,13
